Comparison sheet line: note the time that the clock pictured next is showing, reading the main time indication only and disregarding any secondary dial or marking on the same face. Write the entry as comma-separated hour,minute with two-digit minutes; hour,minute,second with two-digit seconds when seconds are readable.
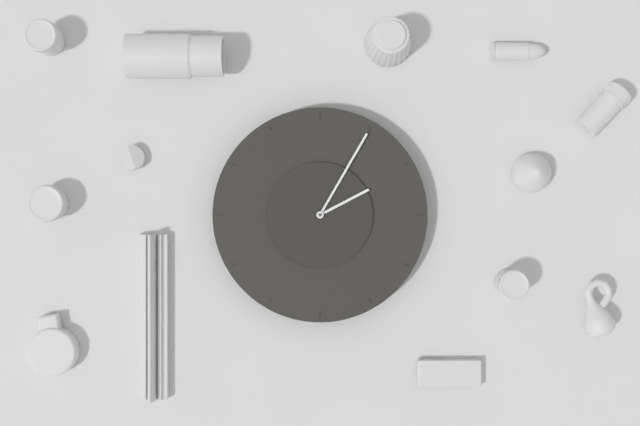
2,05
